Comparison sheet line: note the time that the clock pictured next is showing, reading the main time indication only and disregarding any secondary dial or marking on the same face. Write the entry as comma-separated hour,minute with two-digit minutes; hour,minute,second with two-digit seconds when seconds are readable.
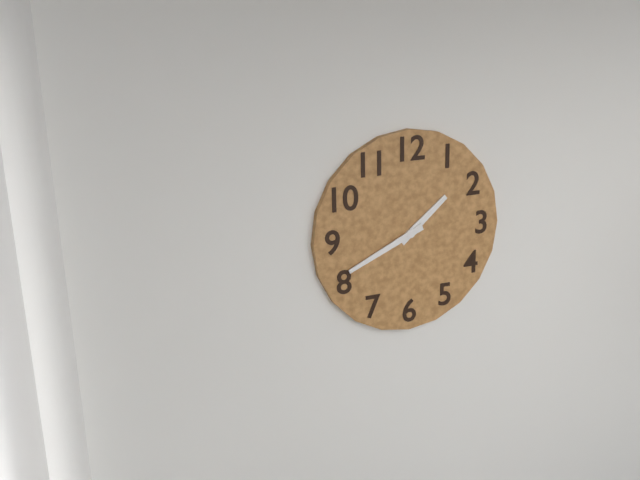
1,41
